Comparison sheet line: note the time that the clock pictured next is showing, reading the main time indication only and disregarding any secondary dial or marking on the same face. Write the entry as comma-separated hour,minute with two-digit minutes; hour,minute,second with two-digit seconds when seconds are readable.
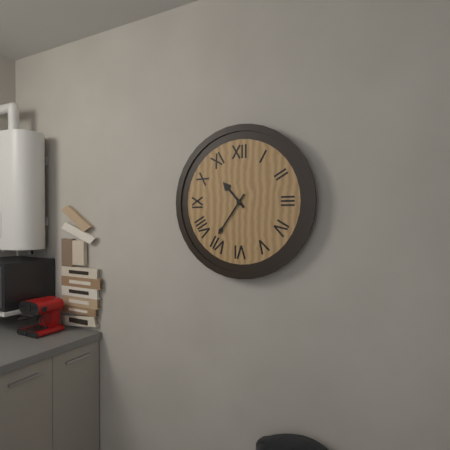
10,36
